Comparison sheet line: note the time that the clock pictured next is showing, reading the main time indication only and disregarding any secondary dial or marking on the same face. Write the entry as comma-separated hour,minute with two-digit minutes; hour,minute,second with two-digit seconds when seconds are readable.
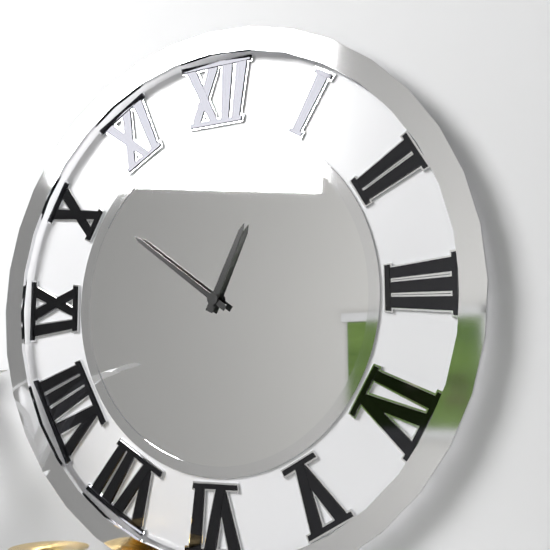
12,51
